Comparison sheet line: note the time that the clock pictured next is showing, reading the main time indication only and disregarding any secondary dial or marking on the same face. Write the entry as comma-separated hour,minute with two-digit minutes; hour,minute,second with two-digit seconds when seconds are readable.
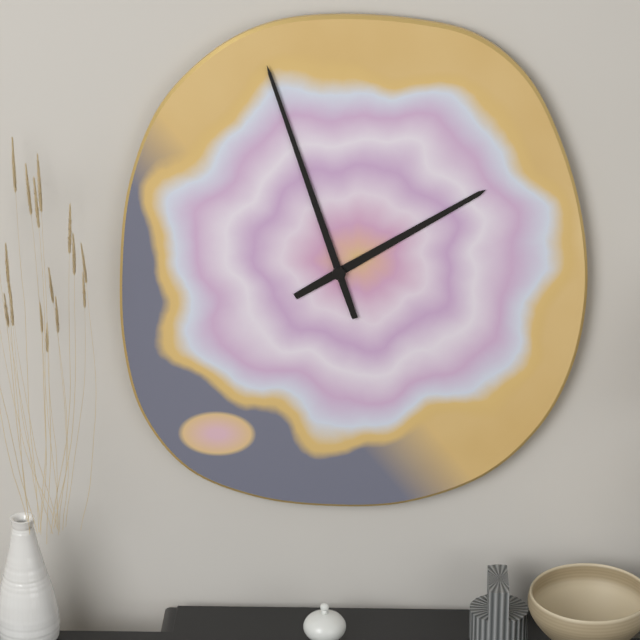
1,57
